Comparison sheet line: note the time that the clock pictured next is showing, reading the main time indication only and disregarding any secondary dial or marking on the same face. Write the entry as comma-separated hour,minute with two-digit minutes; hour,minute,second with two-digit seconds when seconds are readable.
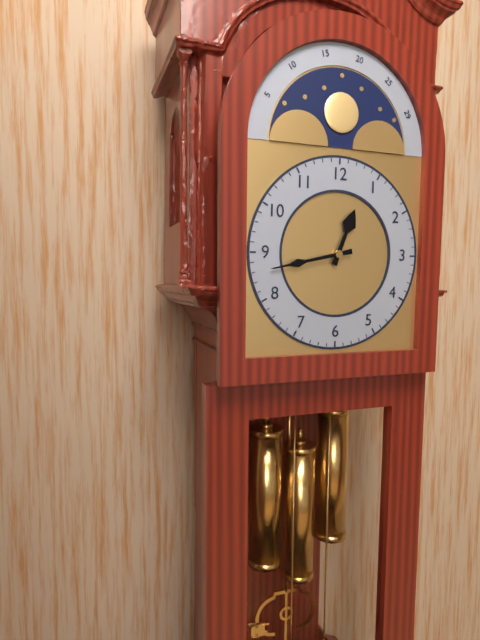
12,43
